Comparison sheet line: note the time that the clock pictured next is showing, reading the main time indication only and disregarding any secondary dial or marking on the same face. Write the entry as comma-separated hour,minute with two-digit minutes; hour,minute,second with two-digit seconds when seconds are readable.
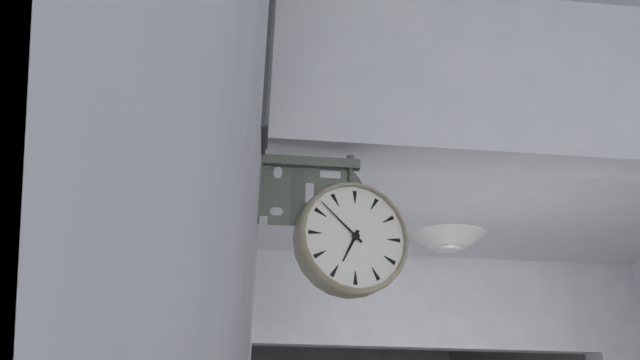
6,52
